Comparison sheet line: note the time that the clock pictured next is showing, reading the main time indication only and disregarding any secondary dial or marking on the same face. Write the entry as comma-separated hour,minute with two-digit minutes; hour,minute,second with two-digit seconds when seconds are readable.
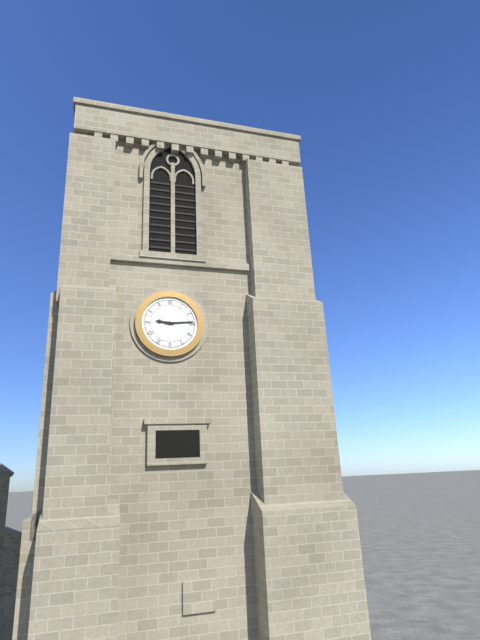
9,14
